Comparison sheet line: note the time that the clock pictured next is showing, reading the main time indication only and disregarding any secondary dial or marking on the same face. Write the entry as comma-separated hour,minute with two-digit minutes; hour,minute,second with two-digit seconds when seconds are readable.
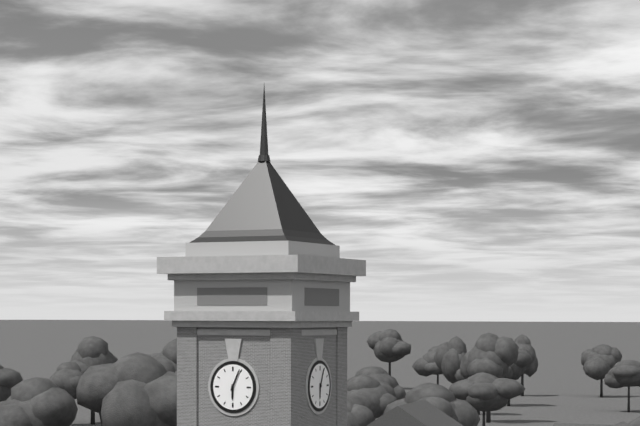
6,04
